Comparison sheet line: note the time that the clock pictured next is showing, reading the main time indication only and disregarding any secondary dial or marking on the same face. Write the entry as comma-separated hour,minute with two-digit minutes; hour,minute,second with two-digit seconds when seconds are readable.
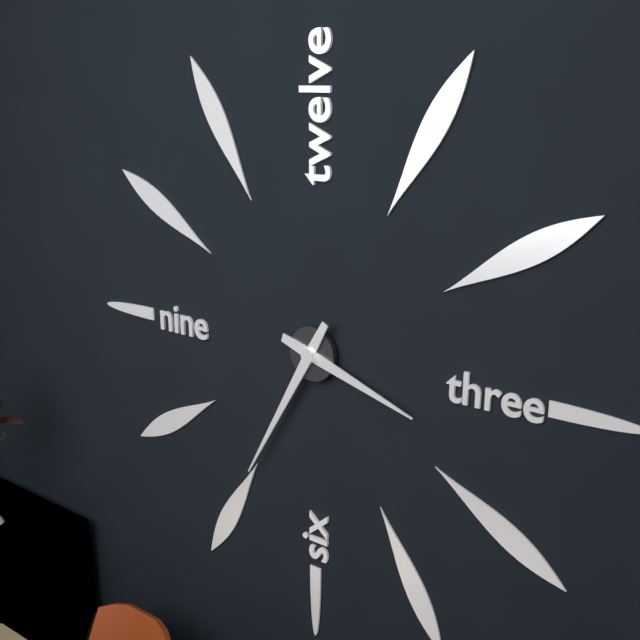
3,35
